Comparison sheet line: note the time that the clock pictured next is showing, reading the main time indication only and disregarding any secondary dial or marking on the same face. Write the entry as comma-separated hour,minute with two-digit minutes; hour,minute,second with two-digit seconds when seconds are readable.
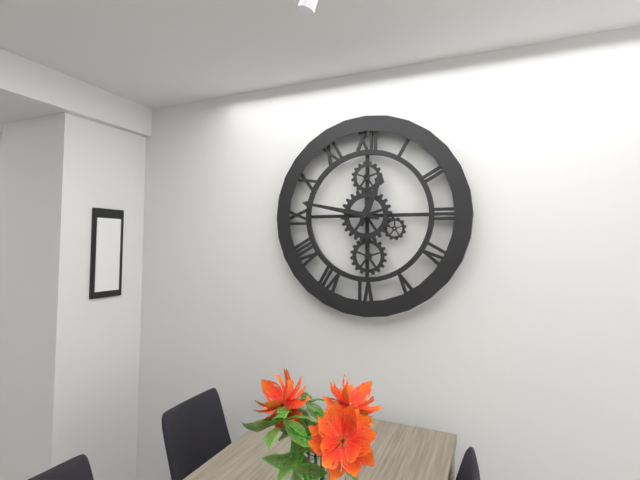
12,47
